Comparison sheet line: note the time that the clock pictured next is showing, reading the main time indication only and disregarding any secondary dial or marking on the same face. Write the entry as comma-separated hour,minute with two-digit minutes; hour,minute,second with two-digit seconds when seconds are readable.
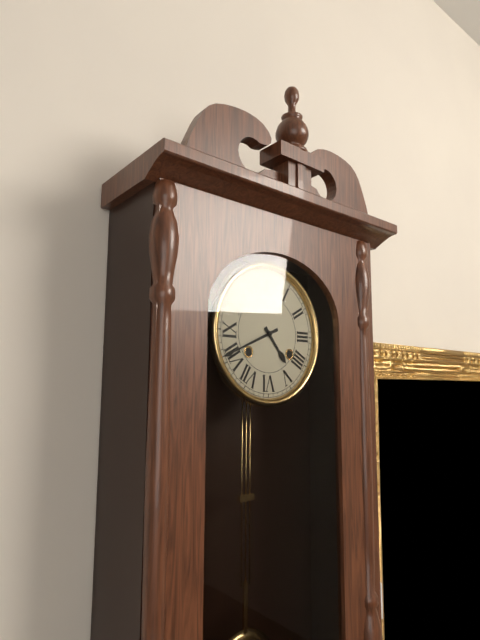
4,41
